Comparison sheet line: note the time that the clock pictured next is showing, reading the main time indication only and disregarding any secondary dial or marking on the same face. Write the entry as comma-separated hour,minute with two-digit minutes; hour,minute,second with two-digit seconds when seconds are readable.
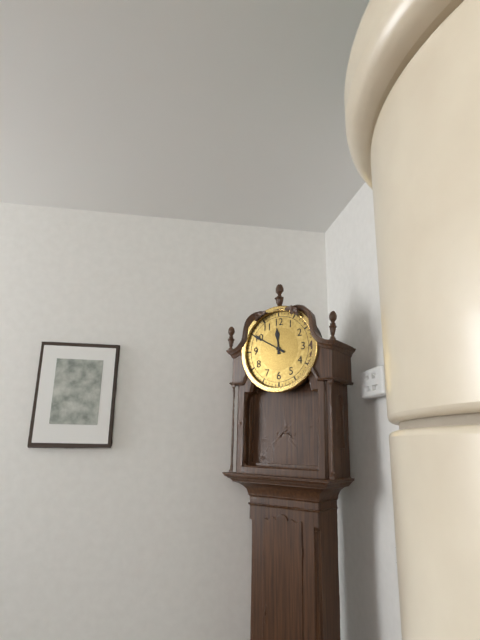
11,50
